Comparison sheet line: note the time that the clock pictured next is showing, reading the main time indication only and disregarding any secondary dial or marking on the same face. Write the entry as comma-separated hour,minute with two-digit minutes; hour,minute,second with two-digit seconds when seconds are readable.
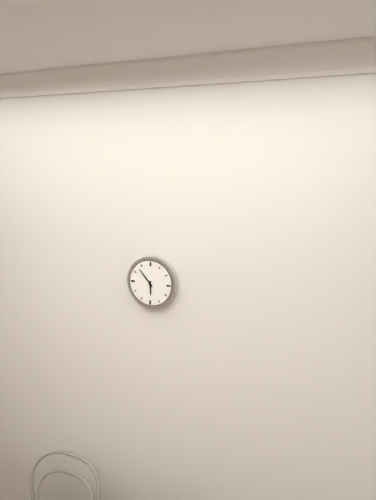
5,53
